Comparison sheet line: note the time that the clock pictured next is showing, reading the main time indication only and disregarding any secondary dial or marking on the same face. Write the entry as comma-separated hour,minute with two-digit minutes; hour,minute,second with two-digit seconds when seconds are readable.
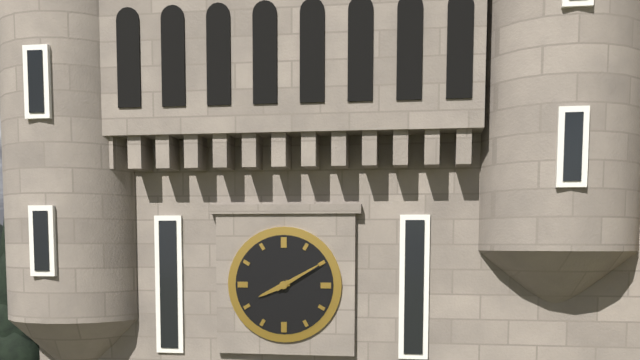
8,10
